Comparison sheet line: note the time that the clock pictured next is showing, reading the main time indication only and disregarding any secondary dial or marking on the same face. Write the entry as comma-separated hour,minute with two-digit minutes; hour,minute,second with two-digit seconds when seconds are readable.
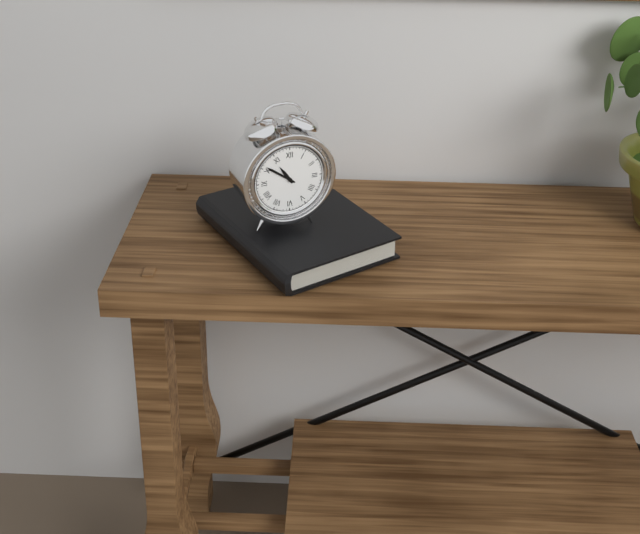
10,51
